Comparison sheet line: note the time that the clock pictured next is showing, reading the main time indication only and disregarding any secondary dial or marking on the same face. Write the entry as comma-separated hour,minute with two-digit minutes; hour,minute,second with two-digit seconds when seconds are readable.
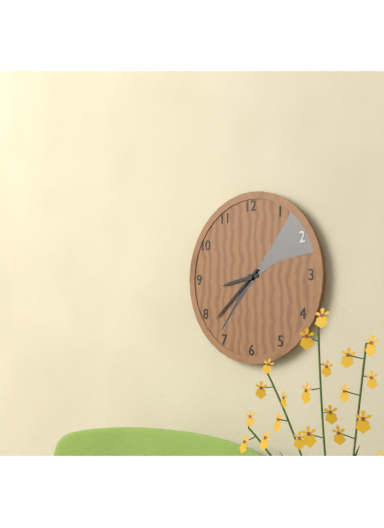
8,38
